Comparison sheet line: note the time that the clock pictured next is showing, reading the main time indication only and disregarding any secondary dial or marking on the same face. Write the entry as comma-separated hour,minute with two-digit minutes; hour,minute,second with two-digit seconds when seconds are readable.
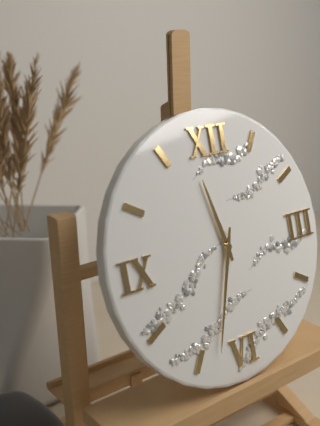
11,33
